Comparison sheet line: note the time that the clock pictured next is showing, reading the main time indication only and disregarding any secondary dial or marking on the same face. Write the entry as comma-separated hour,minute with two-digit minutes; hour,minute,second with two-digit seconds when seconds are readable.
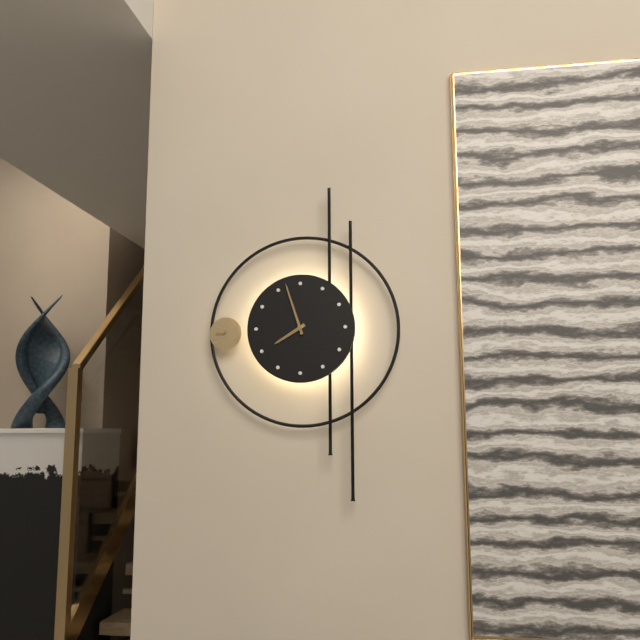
7,57
